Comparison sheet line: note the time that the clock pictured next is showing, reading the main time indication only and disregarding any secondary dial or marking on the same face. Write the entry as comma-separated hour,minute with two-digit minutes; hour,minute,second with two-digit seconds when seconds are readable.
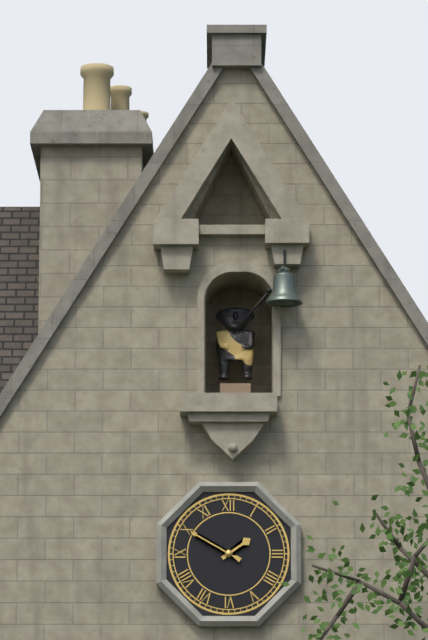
1,50
